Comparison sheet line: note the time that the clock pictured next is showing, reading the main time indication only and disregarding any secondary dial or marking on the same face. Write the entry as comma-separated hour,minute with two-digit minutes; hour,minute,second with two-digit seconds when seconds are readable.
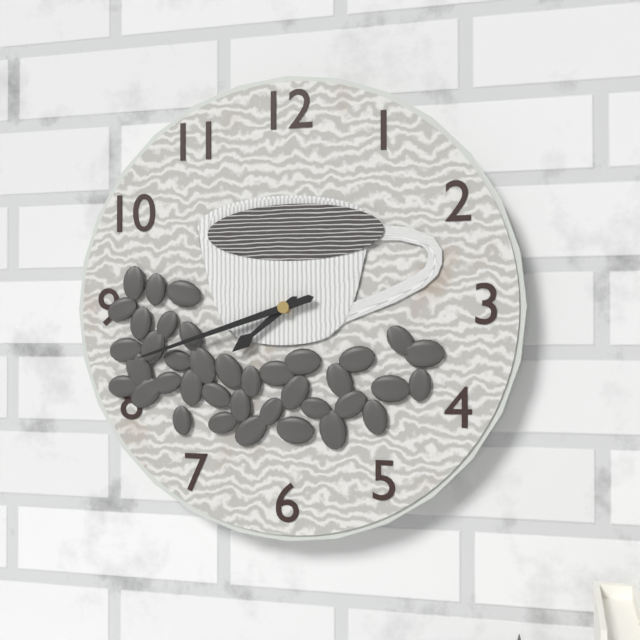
7,42
